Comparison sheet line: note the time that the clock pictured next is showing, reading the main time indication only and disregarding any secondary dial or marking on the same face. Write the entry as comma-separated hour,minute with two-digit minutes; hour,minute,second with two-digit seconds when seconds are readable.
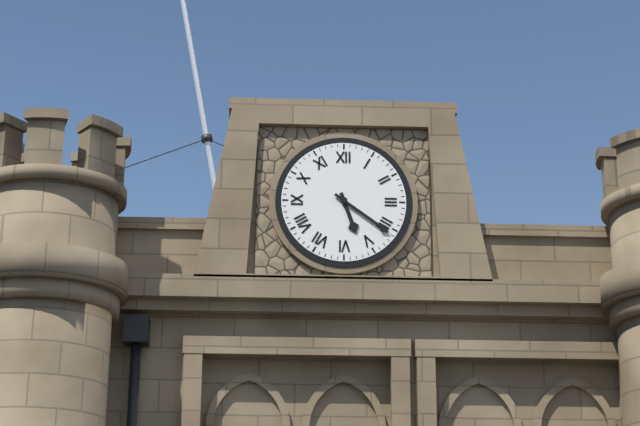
5,21
